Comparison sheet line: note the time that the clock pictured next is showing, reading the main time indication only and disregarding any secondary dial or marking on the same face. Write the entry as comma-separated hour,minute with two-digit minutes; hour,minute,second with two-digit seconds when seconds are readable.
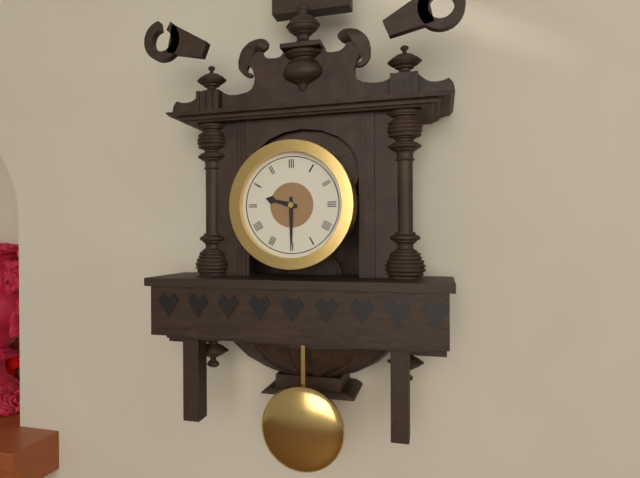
9,30
